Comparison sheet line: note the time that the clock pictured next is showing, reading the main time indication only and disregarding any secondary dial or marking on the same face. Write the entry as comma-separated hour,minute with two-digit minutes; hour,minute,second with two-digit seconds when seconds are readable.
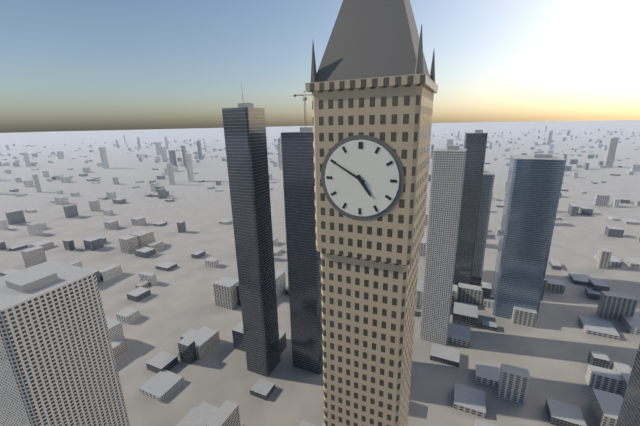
4,50
